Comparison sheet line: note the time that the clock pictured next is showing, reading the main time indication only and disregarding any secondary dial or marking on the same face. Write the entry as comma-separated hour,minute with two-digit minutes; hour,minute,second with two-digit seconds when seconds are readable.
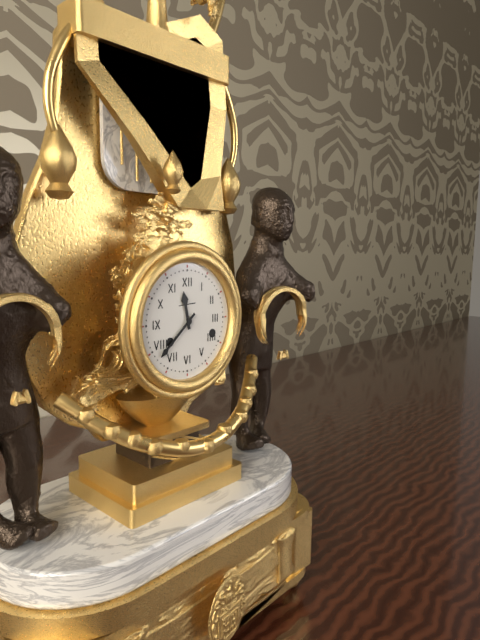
11,38
